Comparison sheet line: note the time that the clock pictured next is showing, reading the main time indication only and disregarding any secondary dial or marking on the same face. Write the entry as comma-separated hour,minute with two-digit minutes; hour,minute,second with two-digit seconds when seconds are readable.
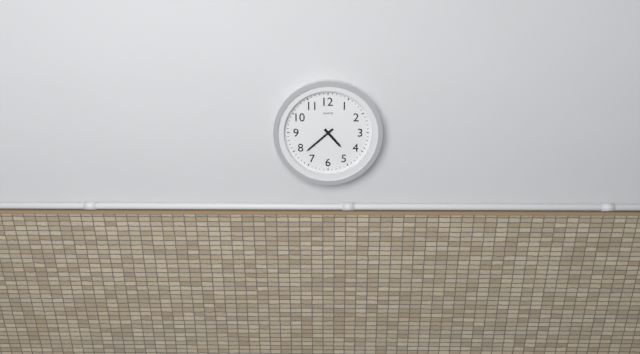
4,38
